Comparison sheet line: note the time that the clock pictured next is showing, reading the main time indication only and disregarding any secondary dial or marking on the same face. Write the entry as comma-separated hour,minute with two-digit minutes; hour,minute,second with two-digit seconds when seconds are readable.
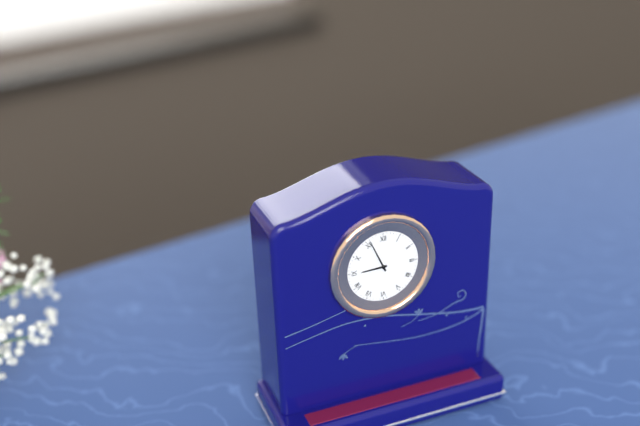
8,56
